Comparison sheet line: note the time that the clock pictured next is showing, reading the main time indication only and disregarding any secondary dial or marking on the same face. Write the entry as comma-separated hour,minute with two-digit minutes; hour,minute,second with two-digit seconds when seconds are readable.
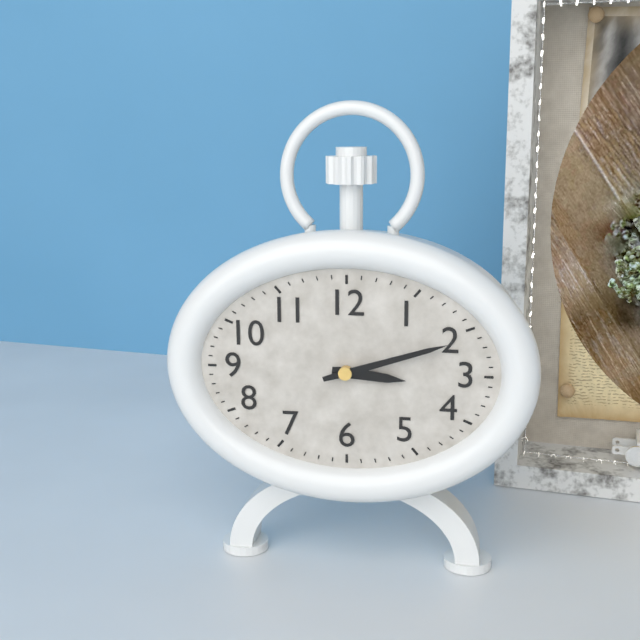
3,12
